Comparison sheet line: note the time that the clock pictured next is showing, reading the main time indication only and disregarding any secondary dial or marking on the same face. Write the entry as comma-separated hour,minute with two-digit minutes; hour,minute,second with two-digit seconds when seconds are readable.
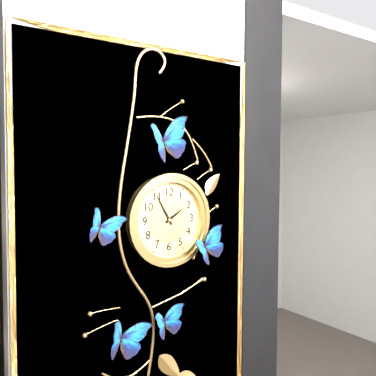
1,55
